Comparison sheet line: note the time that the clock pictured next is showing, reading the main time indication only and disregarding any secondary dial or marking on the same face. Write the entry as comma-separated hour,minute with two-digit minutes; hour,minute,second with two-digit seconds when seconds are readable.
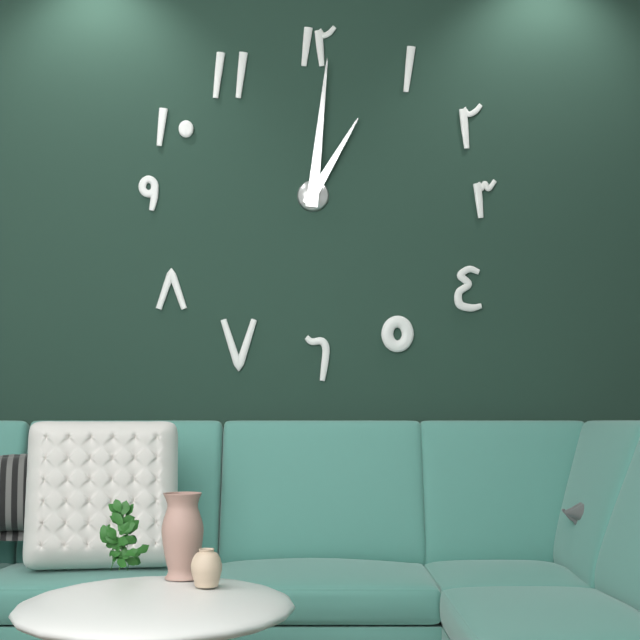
1,01
